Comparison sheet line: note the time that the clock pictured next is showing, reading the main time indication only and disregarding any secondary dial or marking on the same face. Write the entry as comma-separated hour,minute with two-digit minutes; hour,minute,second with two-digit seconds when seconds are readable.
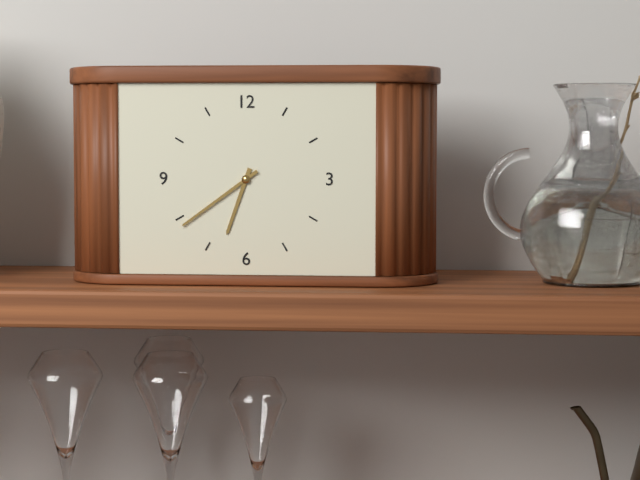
6,39
